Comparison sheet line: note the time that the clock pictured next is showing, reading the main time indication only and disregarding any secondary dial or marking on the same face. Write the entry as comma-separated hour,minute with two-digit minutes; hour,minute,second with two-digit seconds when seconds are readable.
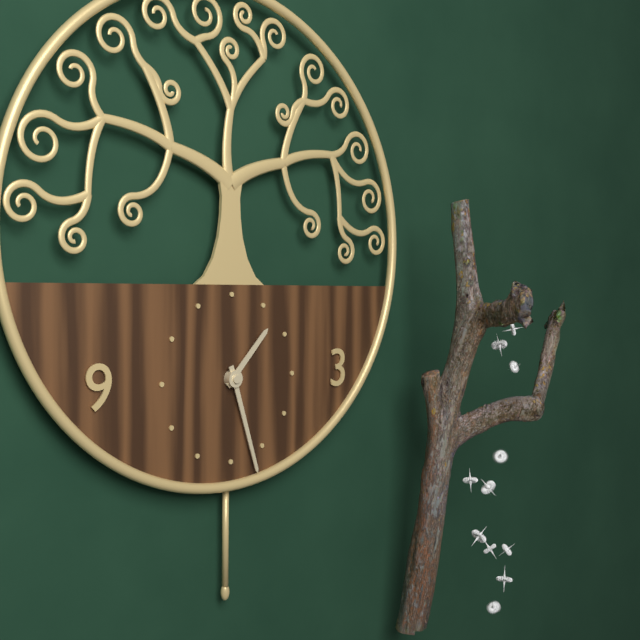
1,27
